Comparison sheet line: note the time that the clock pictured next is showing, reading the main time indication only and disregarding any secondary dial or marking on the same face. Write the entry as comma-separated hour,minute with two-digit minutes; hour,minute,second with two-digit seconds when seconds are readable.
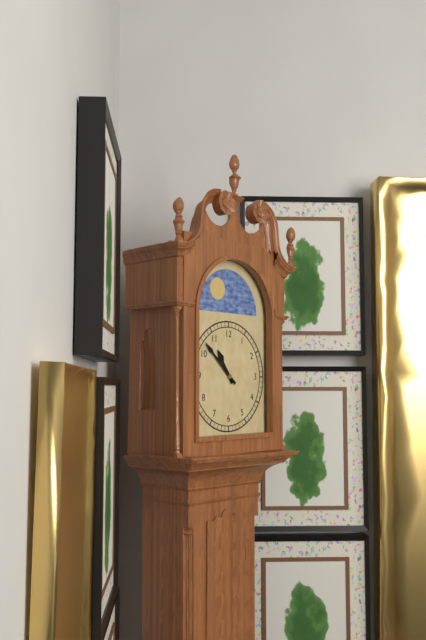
10,52
